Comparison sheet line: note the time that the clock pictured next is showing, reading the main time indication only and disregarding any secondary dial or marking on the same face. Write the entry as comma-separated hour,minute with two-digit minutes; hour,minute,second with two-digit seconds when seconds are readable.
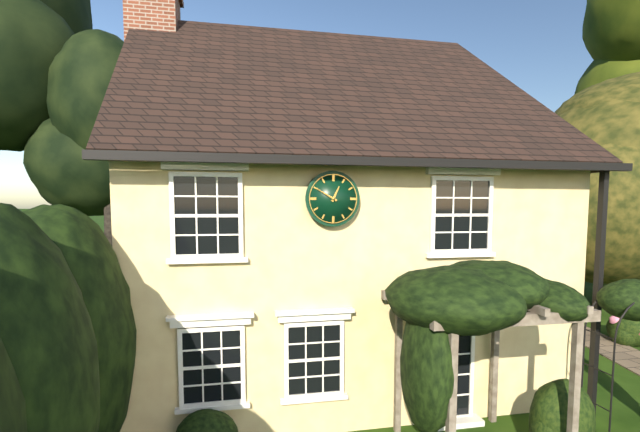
12,50
